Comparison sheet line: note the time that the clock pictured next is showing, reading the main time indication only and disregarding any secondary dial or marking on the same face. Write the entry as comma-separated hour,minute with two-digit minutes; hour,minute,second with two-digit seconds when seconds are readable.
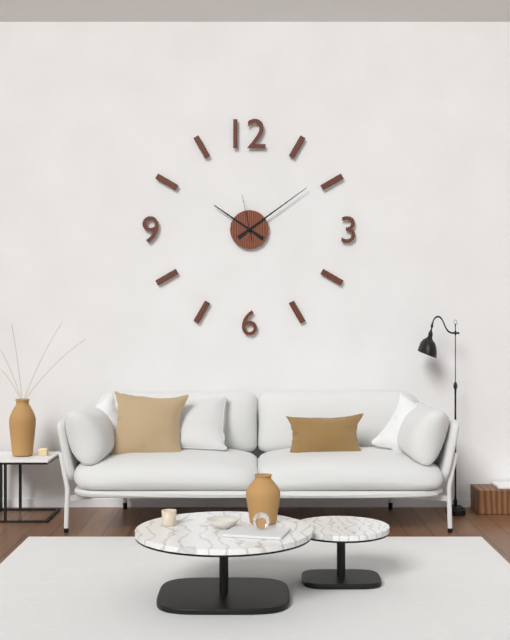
10,09
